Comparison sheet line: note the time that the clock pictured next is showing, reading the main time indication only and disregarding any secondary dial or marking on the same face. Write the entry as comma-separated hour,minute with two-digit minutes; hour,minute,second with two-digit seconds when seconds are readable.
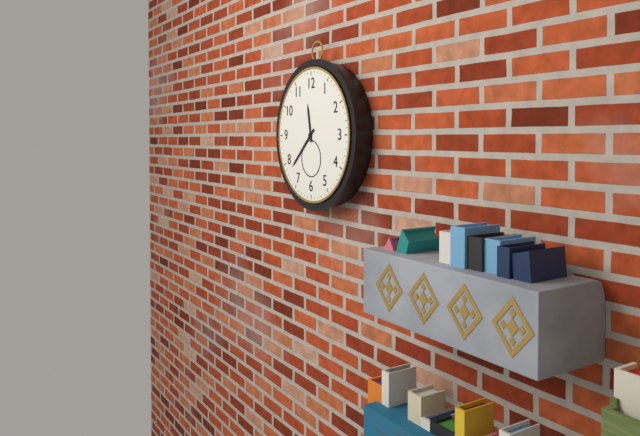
11,38
